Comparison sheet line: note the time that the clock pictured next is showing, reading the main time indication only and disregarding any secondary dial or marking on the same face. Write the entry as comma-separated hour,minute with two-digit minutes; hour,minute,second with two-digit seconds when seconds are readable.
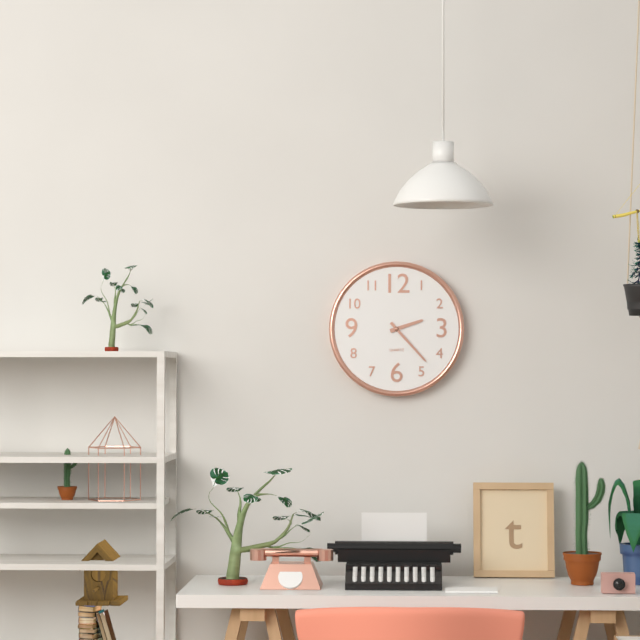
2,23
